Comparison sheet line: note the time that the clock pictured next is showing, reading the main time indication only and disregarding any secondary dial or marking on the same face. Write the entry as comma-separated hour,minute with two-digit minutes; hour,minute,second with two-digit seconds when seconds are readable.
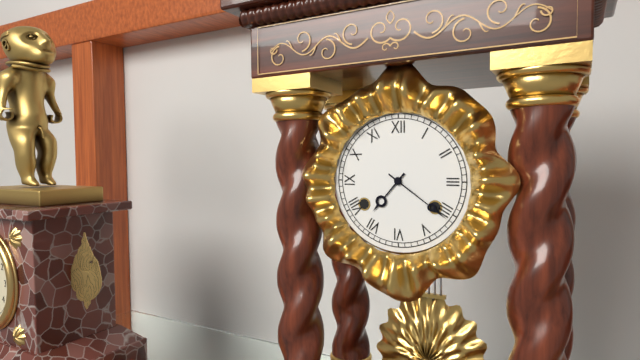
7,21
